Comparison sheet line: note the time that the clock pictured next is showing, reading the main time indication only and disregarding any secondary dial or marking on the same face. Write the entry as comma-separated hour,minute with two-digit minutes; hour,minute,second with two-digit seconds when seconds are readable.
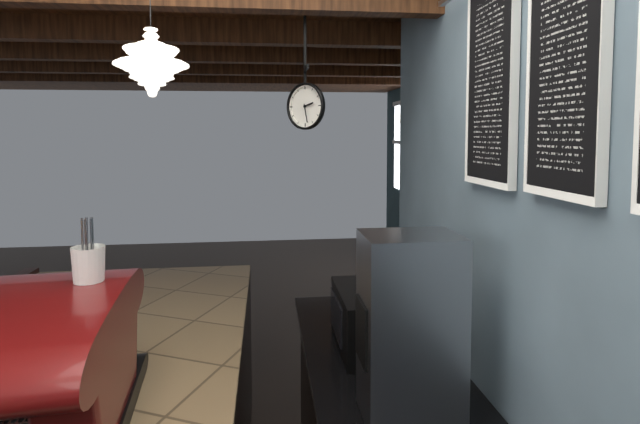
2,28
